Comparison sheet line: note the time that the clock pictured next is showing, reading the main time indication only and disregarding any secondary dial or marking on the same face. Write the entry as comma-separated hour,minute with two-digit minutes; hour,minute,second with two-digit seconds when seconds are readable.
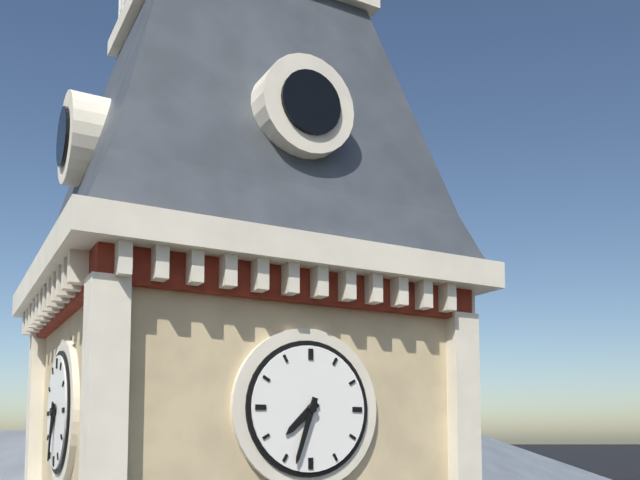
7,33
